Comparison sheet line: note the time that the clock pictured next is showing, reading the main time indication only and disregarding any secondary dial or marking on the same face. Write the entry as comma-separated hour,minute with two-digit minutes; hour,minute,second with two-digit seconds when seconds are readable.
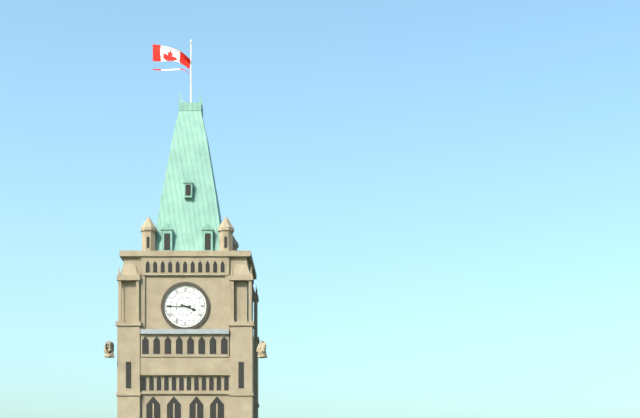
3,45
